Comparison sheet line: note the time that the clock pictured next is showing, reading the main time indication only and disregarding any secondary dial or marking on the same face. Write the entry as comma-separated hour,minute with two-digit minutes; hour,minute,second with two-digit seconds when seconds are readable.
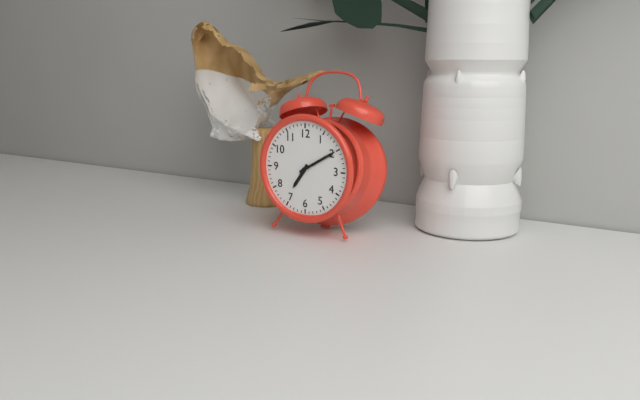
7,10
